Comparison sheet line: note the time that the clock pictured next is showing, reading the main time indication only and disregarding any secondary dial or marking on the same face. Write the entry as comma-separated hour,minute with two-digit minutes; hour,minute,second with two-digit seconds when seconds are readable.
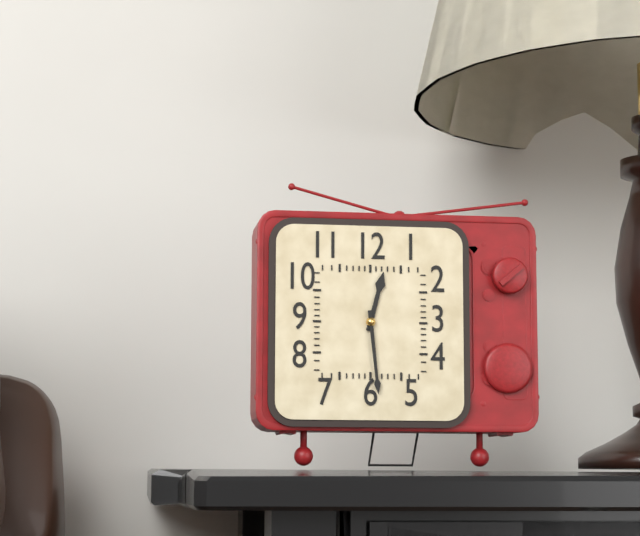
12,29
